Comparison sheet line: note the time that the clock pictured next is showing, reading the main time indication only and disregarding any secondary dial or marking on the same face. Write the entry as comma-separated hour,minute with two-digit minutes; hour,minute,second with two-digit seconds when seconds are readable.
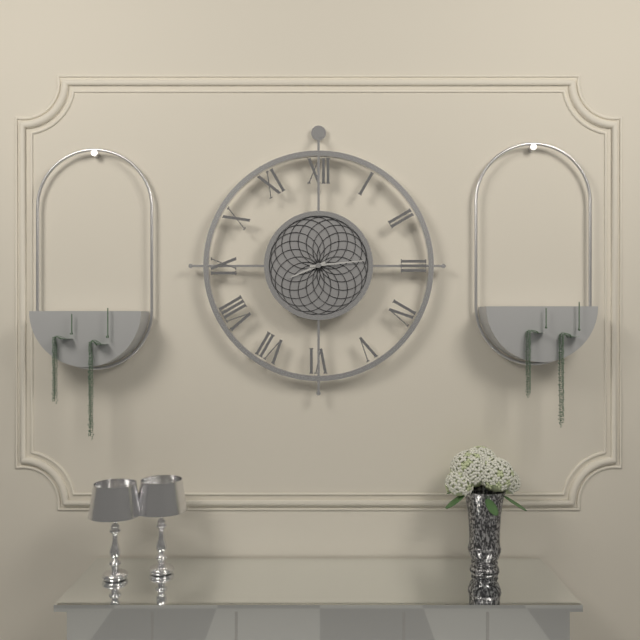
8,14
